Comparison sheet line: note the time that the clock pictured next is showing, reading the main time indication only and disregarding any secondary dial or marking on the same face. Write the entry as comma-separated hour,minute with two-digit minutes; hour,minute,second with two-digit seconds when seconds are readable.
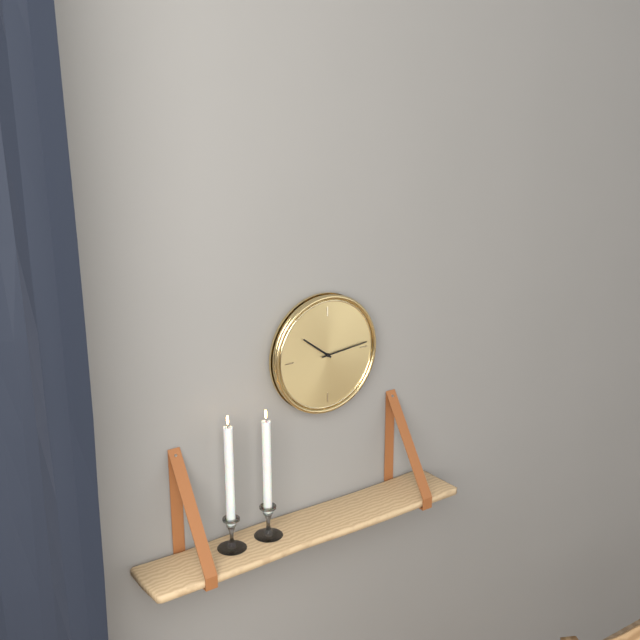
10,14
